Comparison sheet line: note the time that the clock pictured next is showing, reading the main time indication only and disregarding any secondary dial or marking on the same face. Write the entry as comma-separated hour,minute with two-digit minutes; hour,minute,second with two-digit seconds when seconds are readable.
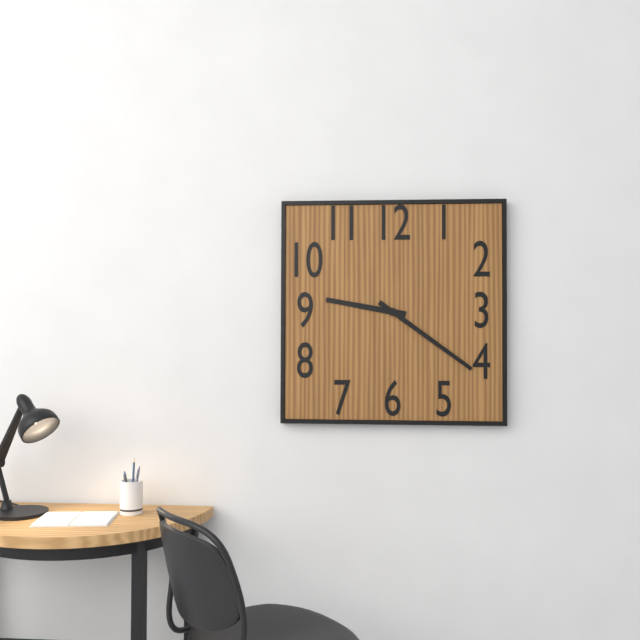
9,21
